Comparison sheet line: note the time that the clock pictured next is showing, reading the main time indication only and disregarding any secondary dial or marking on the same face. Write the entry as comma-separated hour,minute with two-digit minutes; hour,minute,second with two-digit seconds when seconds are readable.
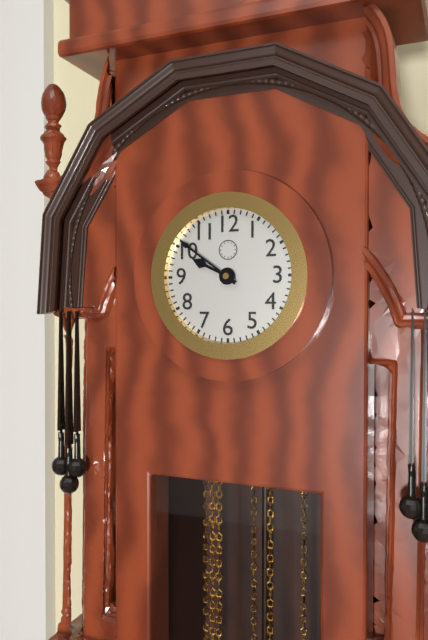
9,51
